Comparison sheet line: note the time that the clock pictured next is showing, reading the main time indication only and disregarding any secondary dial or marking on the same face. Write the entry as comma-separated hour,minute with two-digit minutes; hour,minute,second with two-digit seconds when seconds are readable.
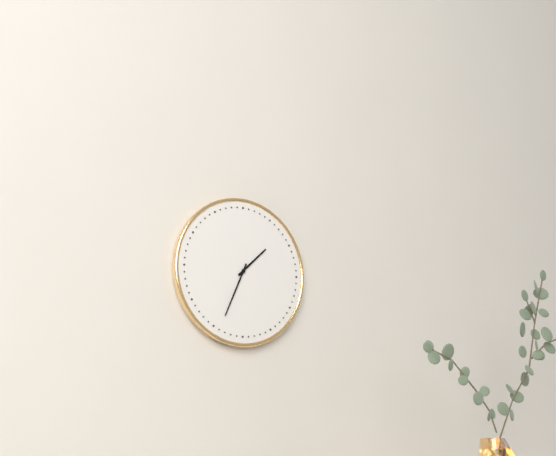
1,34
